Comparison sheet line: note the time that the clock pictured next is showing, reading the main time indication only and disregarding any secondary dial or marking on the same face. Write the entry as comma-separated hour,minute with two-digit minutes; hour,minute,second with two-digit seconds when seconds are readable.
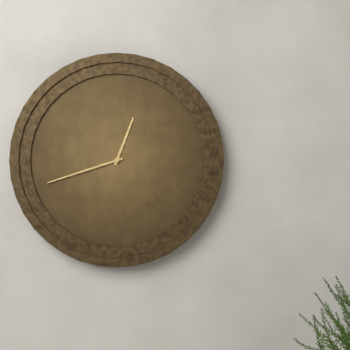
12,42
